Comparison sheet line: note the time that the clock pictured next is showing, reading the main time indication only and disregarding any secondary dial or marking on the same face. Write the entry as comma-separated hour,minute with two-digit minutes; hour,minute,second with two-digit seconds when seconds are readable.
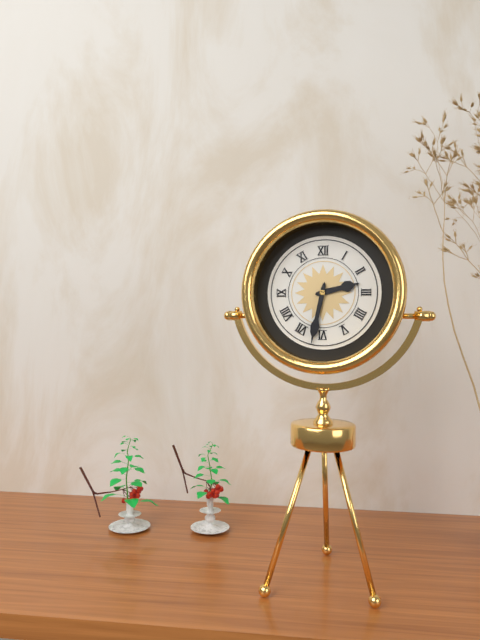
2,32
